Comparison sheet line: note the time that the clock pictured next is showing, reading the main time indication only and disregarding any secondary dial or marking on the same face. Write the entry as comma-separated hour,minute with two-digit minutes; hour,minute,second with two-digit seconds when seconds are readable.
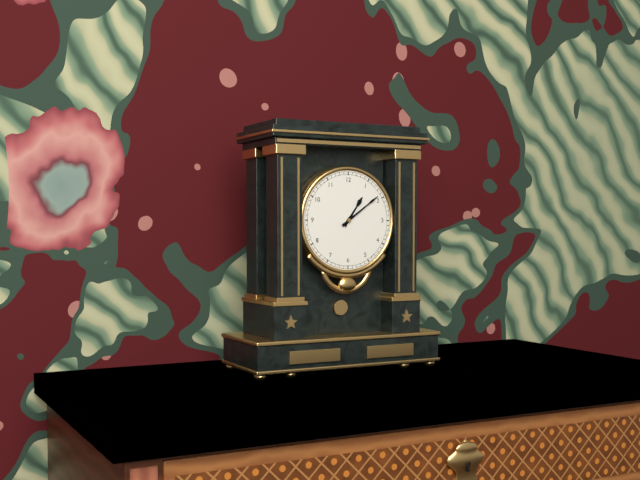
1,09
